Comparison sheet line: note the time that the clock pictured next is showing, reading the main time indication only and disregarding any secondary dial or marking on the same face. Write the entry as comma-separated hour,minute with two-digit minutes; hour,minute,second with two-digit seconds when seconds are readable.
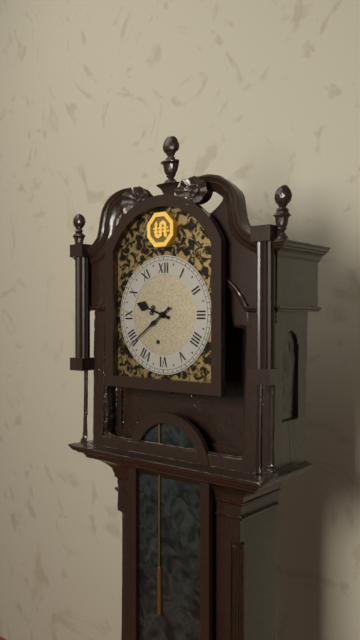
9,39
